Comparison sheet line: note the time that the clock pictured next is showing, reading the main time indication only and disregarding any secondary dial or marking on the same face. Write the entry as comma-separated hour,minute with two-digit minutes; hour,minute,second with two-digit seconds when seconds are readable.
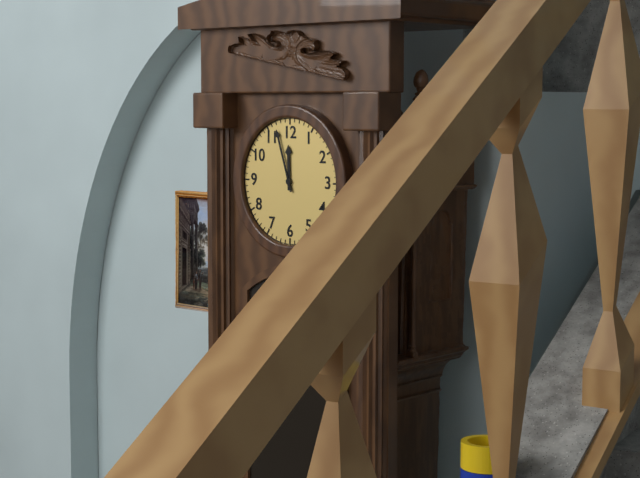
11,57
